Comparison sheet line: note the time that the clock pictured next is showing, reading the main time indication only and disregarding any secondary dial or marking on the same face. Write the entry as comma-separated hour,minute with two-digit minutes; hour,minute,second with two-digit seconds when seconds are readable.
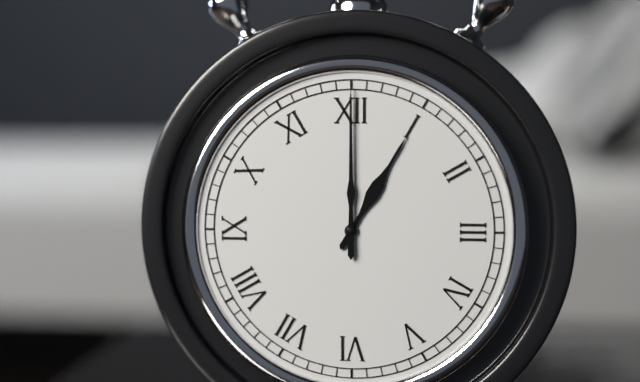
1,00
